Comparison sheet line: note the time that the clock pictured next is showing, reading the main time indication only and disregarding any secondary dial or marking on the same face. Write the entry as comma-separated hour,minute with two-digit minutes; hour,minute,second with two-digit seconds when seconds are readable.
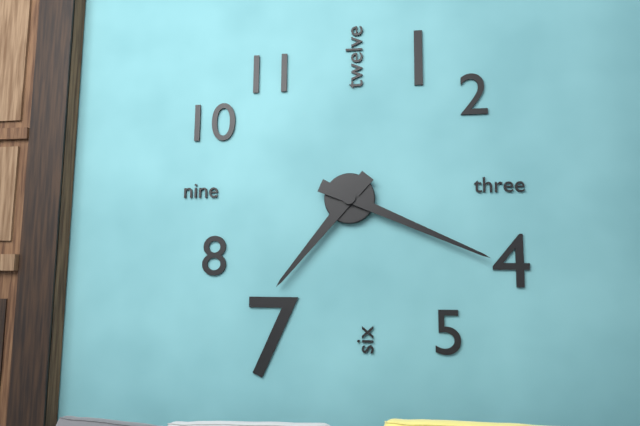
7,19
